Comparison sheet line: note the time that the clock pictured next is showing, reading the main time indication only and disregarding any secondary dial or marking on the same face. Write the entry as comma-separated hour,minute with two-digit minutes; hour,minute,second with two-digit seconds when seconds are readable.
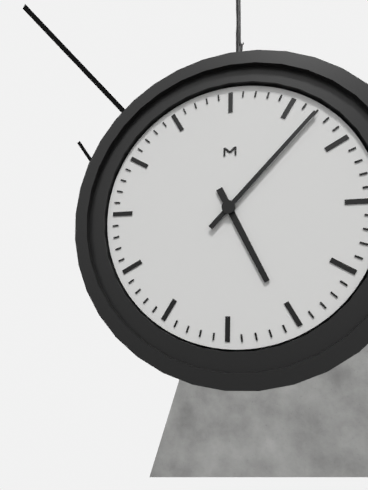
5,07
